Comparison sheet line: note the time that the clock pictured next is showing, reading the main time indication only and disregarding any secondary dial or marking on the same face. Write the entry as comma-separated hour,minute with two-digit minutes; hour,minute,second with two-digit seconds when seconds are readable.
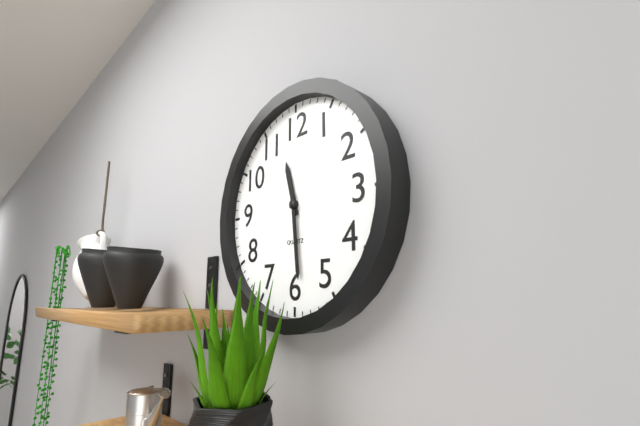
11,29
